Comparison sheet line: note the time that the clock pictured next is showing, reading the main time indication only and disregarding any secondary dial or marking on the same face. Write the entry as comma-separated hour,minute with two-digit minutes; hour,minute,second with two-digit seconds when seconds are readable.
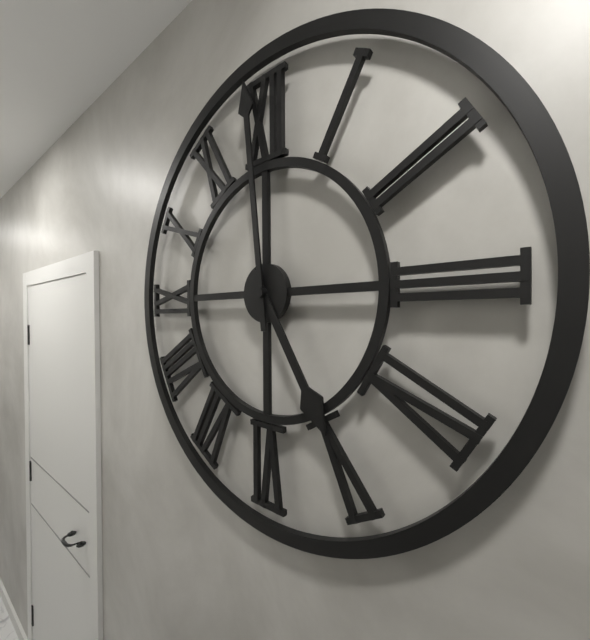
4,59
